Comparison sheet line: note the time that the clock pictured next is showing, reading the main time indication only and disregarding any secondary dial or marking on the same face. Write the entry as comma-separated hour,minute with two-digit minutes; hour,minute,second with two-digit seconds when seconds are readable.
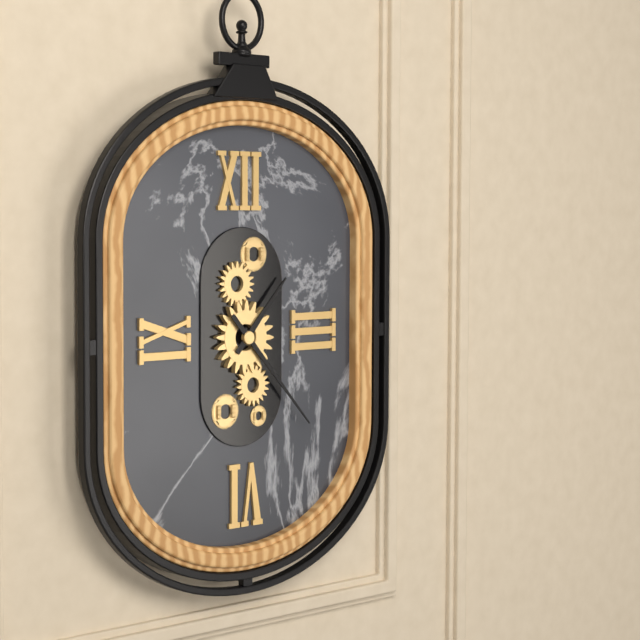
1,23
